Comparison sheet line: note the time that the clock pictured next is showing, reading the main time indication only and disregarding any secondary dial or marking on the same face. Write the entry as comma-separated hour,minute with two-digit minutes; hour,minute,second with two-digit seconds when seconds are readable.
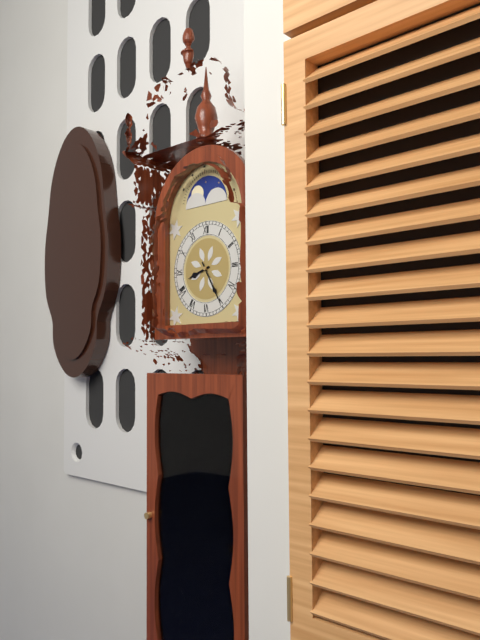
8,25
